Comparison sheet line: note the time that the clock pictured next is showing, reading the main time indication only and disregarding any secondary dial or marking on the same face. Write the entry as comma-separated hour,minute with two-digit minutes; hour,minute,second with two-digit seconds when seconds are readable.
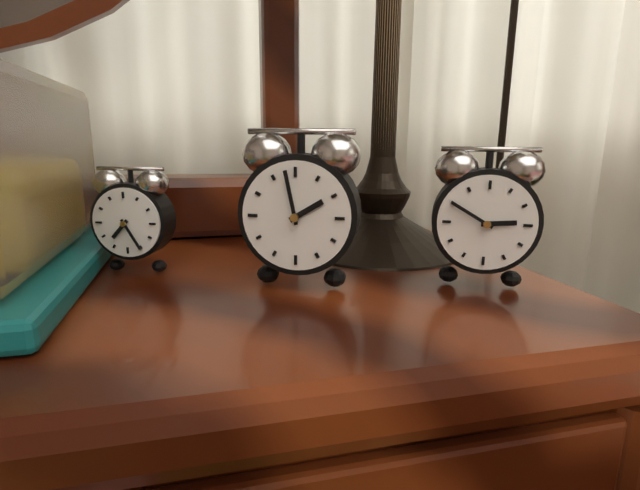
1,58
